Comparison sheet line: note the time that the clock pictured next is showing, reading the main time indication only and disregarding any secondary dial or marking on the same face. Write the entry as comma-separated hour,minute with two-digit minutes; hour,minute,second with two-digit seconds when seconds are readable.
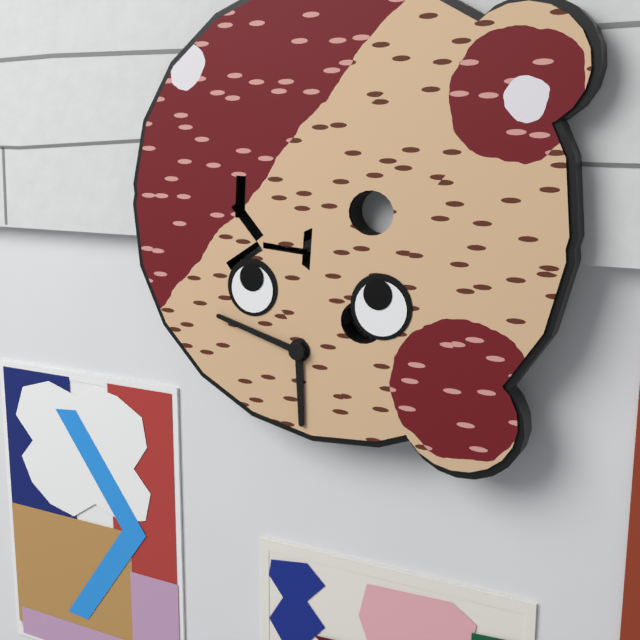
5,47
